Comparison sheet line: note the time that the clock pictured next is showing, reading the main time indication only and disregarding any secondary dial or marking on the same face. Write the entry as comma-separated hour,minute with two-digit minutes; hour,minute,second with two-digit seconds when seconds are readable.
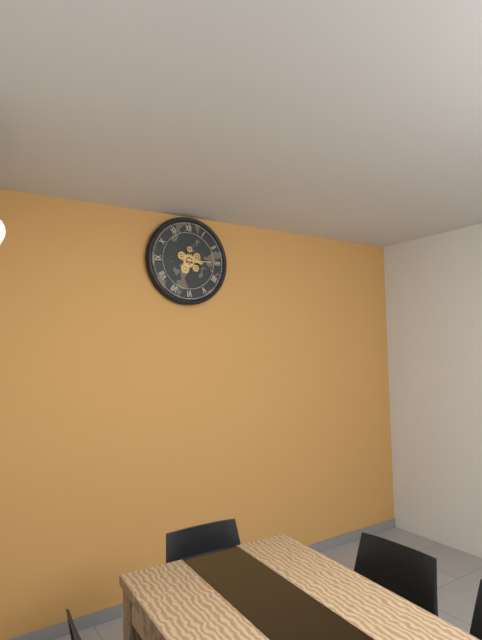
3,15
